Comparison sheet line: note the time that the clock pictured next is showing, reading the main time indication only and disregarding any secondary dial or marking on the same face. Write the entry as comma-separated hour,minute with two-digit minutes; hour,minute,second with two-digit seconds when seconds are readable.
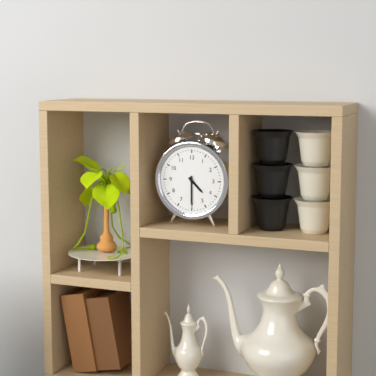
4,30
